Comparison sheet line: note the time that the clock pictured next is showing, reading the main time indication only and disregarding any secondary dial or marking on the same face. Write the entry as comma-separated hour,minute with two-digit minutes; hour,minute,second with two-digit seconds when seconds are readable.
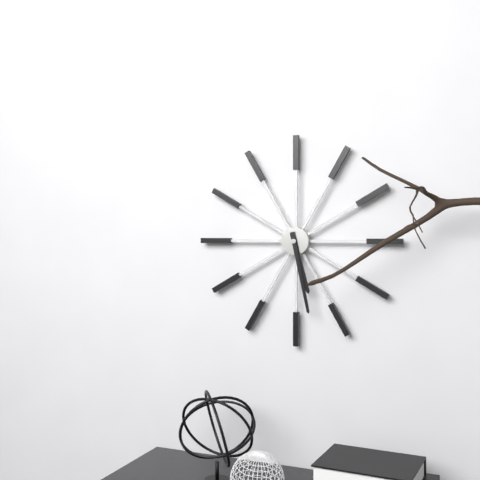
5,28
